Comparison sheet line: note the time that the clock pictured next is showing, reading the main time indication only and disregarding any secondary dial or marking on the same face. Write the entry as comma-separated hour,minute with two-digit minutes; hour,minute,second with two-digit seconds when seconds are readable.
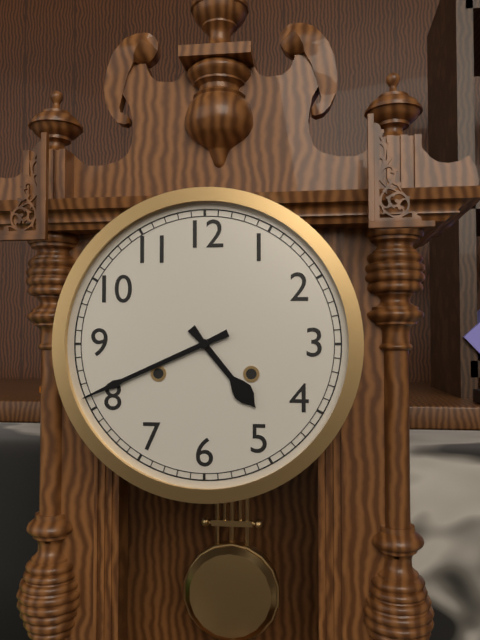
4,41
